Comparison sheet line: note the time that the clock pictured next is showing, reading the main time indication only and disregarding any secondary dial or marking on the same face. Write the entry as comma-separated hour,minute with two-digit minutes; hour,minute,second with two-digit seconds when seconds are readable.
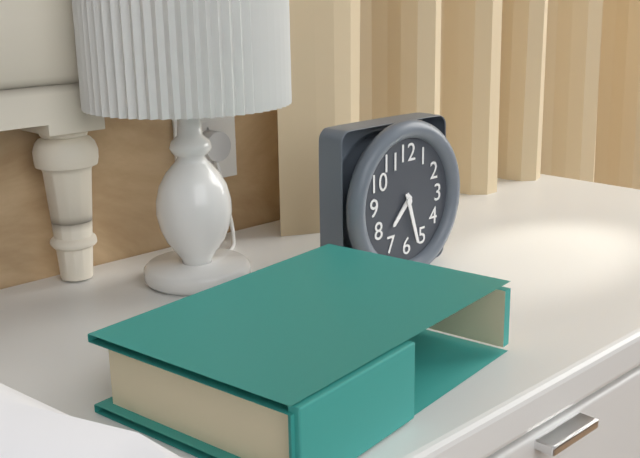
7,27
